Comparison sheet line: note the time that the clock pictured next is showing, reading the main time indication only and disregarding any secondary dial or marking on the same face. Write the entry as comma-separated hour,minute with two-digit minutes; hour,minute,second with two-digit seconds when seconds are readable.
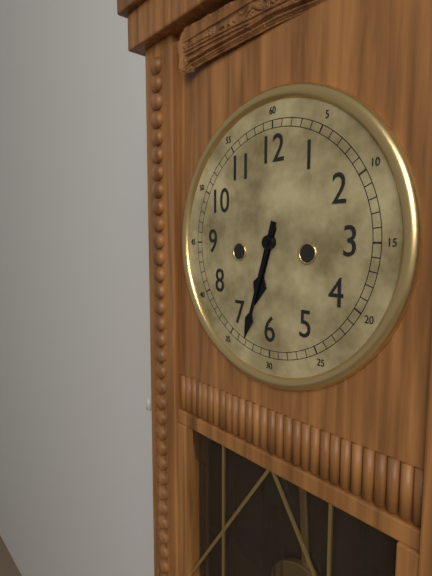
6,33
